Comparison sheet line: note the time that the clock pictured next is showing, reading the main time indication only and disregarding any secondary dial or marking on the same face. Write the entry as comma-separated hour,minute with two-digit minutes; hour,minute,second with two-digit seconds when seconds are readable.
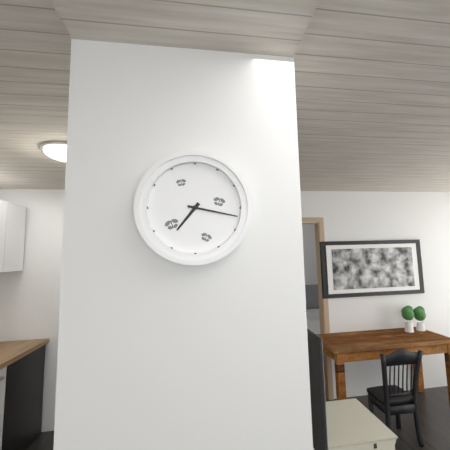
7,17
